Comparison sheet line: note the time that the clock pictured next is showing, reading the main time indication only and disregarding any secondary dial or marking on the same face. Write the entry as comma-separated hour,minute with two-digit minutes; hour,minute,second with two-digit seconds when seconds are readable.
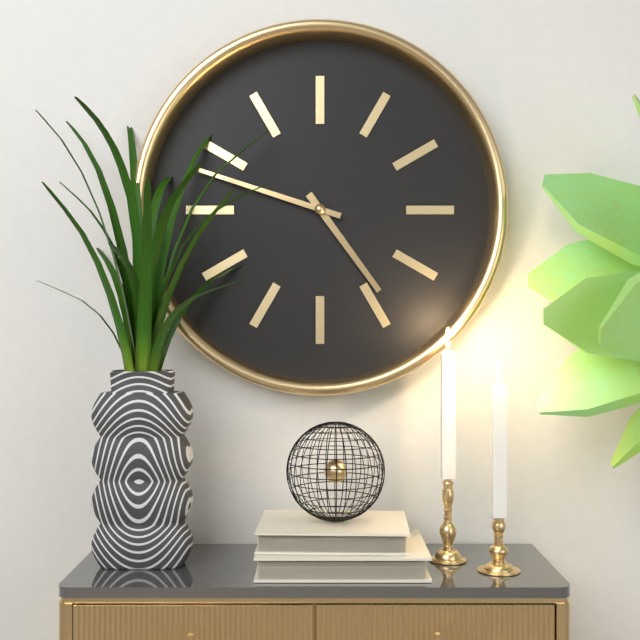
4,48
